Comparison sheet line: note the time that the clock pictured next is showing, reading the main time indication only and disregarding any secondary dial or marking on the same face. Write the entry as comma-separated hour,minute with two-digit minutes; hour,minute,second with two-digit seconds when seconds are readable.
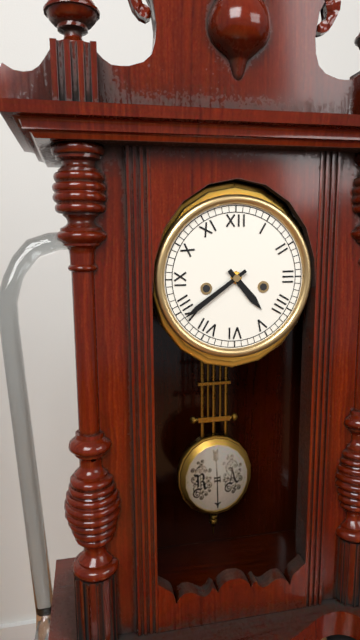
4,39
